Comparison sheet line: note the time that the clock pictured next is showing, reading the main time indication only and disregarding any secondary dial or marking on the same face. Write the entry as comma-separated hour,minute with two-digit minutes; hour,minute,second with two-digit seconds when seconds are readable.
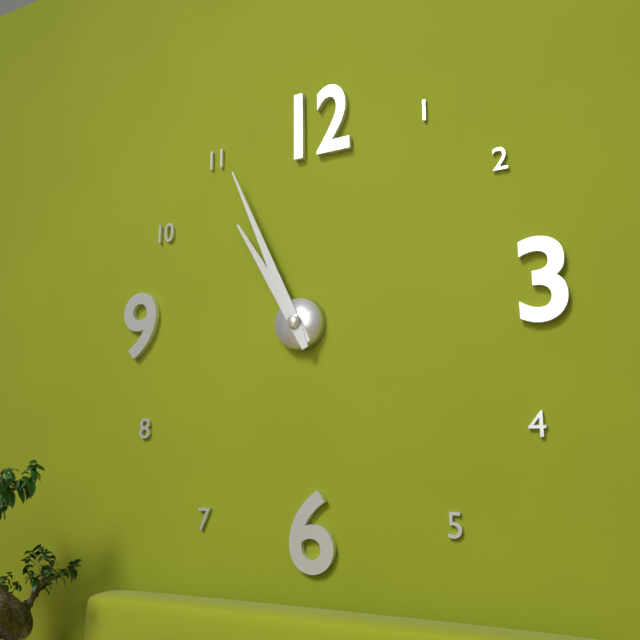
10,56
